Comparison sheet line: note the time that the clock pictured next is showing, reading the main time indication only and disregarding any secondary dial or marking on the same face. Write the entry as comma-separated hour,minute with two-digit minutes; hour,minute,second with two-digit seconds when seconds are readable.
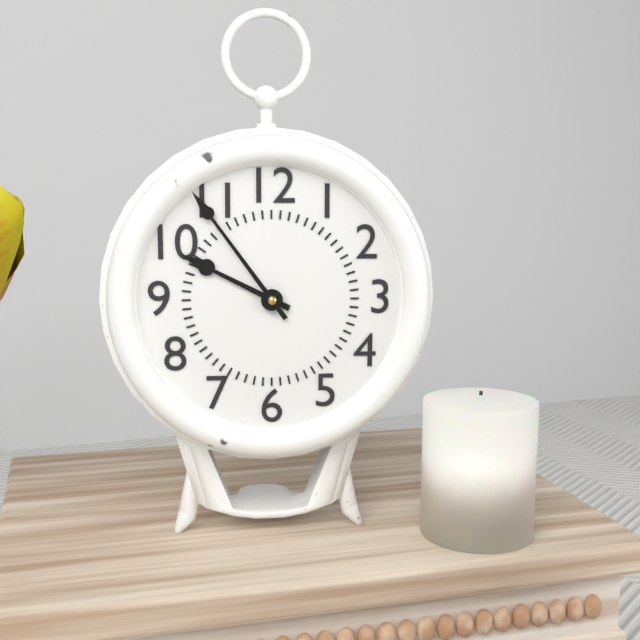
9,54
